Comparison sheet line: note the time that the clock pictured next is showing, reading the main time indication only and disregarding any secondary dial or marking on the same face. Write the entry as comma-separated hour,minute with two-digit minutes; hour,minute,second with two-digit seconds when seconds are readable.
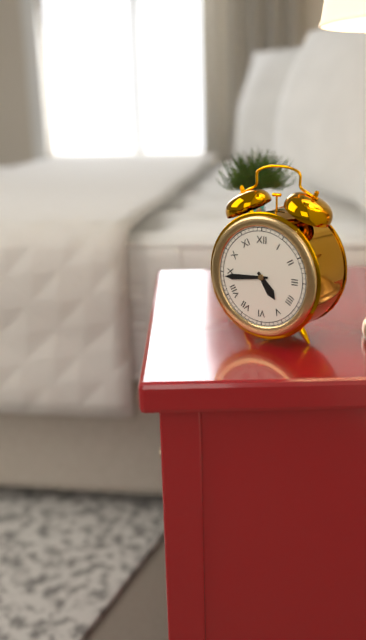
4,44
